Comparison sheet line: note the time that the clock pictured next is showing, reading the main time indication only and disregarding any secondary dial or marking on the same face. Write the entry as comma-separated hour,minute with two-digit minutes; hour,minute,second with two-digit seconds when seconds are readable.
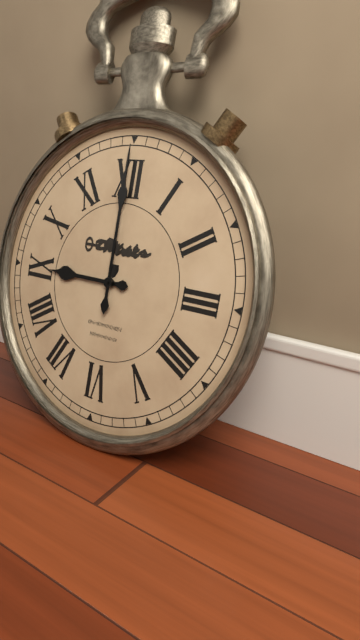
9,00
